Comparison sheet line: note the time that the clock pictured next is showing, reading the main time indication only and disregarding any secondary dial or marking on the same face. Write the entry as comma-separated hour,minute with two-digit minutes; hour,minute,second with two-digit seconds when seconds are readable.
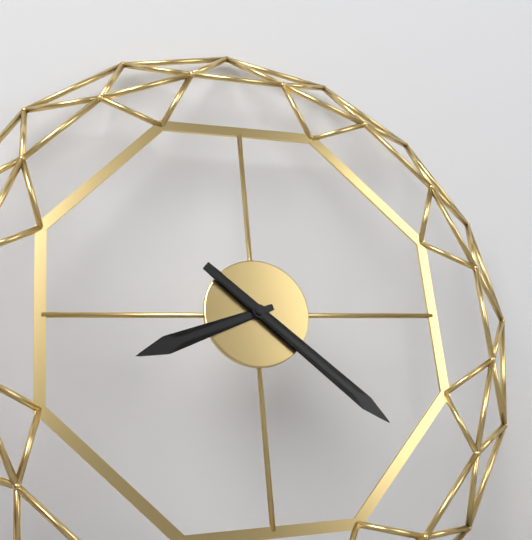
8,22
